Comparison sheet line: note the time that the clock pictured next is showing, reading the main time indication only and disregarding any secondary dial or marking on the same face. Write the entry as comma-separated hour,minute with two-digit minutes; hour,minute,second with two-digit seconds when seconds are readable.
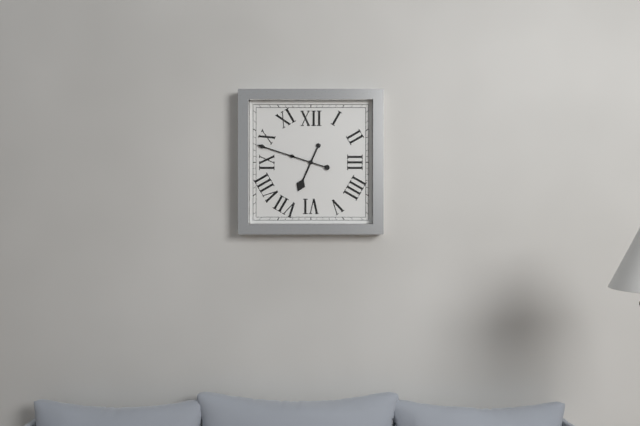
6,48
